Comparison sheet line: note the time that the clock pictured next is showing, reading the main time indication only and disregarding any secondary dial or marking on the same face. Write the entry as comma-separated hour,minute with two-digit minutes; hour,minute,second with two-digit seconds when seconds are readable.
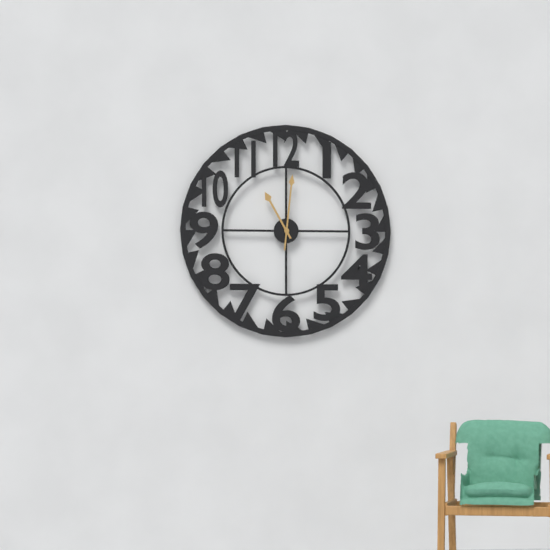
11,01
